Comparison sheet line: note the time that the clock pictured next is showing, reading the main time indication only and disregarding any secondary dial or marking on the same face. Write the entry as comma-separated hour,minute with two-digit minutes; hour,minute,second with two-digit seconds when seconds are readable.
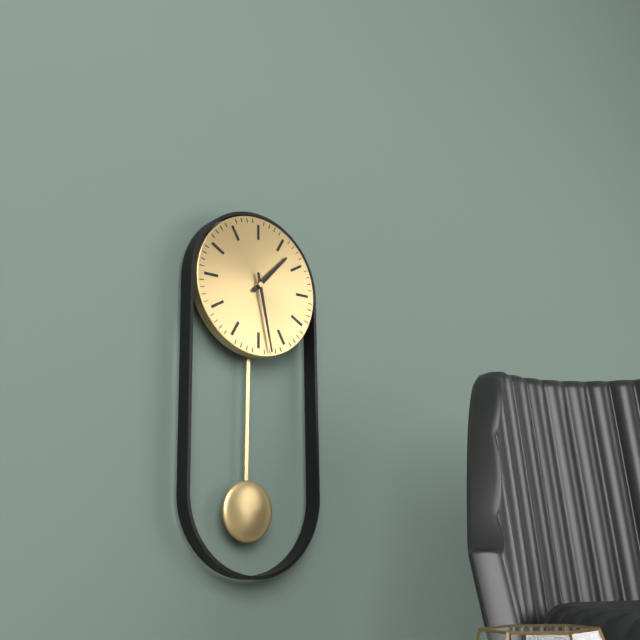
1,28
